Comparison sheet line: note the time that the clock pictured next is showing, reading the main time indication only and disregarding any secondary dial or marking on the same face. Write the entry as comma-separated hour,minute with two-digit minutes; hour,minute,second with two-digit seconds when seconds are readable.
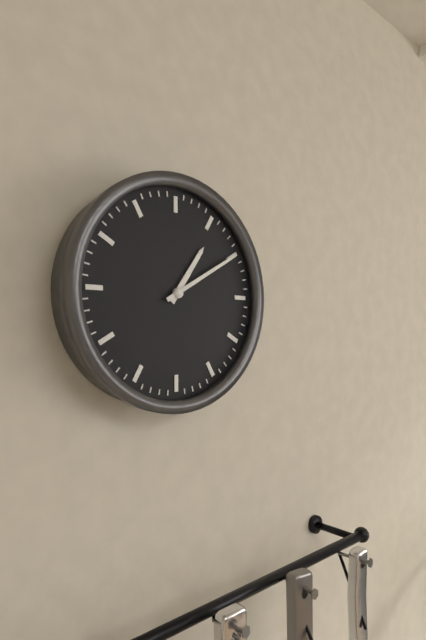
1,10
